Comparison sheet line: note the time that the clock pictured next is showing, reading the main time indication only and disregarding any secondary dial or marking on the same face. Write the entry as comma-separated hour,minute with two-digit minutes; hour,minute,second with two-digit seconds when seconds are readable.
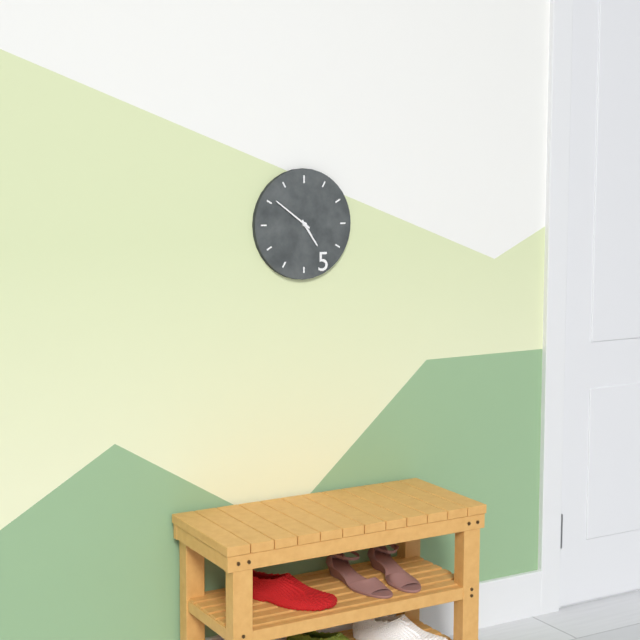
4,51
